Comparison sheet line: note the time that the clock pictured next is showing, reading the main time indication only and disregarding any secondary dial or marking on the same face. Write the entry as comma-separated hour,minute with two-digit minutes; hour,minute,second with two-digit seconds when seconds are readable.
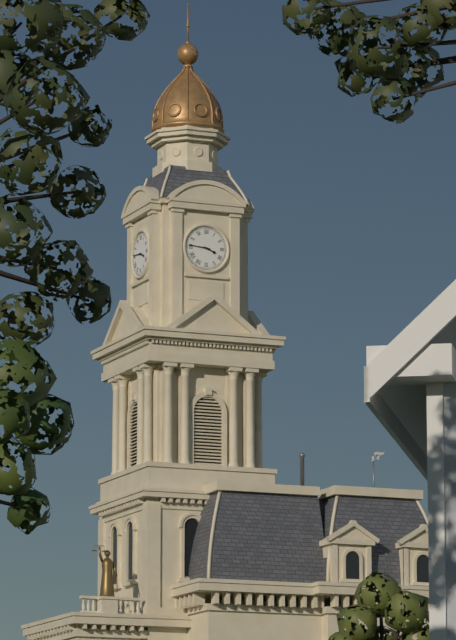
3,46
